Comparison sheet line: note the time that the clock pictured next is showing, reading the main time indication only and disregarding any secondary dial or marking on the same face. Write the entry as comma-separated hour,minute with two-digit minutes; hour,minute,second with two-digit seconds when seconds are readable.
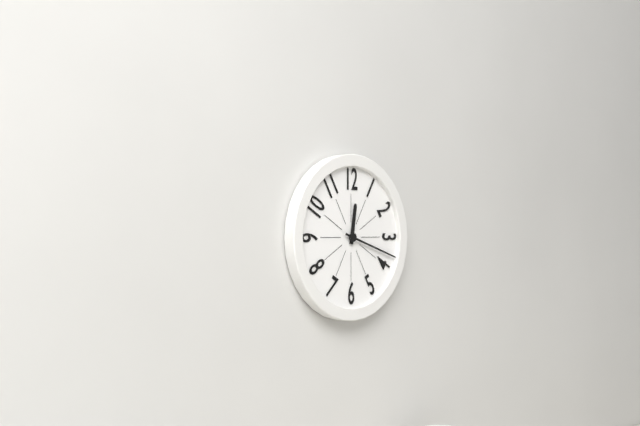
12,18
